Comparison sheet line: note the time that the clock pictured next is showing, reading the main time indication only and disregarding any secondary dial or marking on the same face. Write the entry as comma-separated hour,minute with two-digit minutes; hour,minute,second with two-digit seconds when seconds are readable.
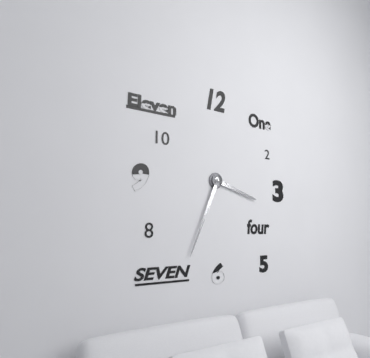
3,34
